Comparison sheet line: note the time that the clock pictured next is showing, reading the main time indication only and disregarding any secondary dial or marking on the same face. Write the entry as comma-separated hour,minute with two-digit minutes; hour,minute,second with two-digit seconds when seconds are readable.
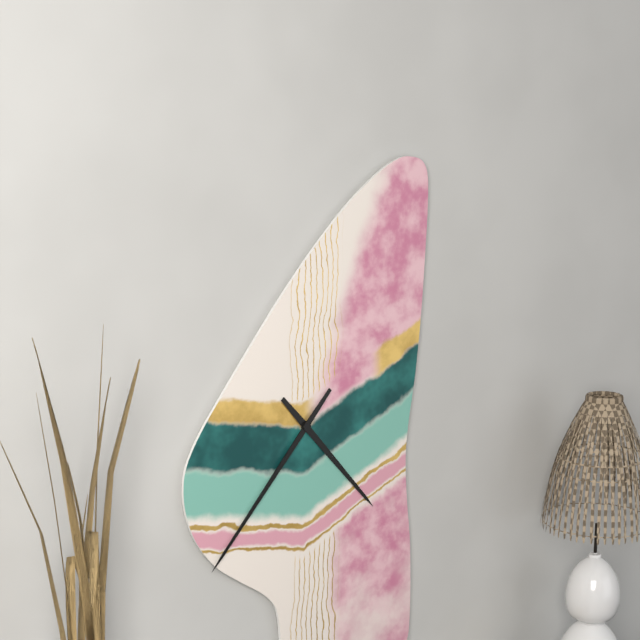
4,37
